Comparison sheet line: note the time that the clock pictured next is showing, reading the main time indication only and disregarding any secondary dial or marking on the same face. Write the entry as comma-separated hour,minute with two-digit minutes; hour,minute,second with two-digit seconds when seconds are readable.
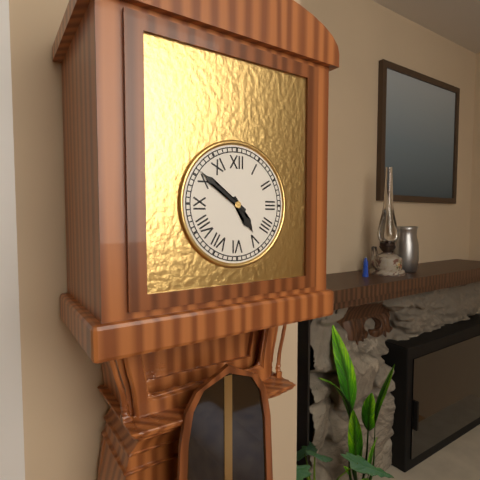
4,51
